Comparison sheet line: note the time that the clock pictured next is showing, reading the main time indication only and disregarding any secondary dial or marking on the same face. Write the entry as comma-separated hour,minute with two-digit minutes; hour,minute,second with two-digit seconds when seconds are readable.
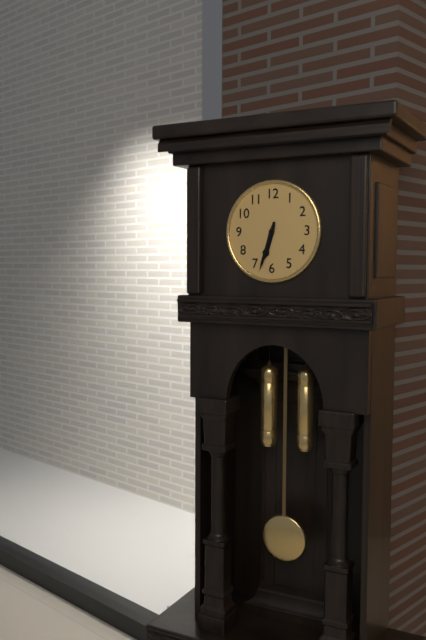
6,33
